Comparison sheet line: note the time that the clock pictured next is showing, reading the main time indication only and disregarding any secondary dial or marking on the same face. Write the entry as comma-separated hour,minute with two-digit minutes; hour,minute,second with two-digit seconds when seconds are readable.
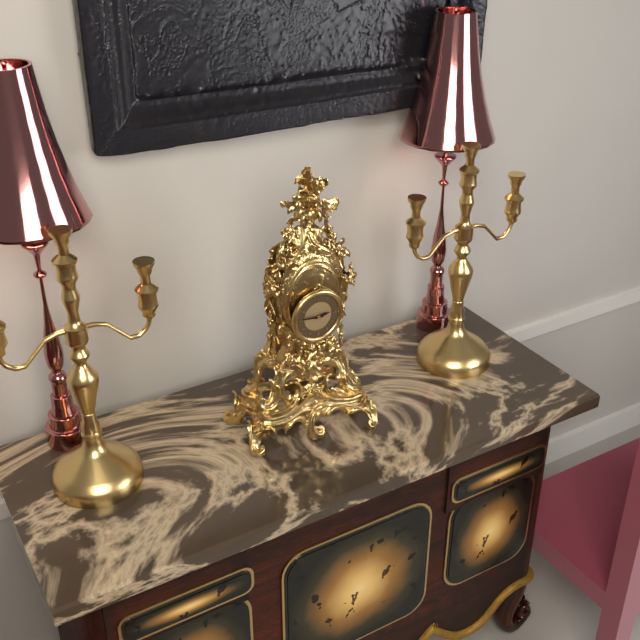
2,46
